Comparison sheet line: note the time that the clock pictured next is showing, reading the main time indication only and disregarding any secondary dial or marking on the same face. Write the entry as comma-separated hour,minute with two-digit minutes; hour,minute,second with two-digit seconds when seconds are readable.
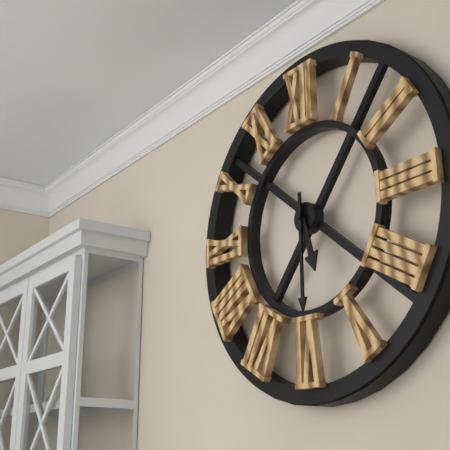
5,30
